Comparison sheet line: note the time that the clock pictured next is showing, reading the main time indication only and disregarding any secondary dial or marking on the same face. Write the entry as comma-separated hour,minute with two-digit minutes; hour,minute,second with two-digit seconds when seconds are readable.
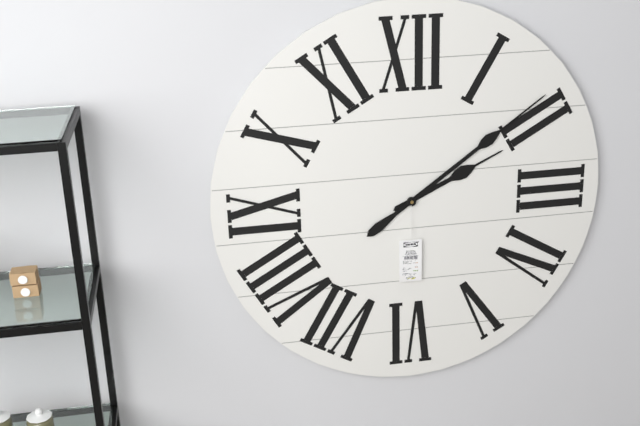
2,09
